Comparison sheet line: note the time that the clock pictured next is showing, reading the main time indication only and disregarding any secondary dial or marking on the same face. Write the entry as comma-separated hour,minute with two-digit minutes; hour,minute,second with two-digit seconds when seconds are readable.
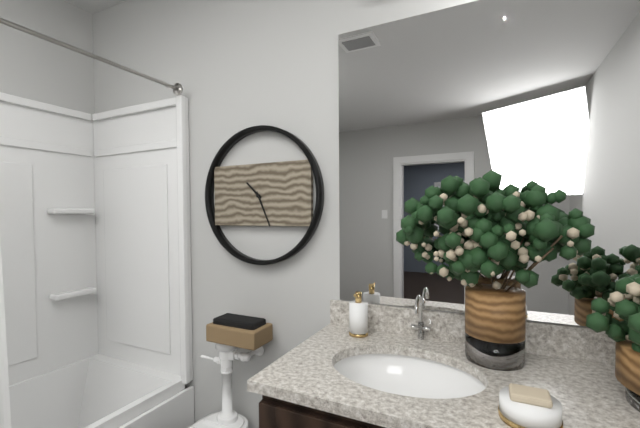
10,26
